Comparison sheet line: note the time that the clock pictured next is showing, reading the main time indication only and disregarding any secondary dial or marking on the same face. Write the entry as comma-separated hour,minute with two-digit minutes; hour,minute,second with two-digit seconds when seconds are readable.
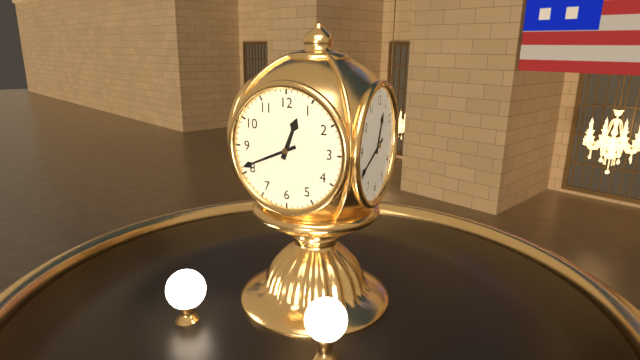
12,41
